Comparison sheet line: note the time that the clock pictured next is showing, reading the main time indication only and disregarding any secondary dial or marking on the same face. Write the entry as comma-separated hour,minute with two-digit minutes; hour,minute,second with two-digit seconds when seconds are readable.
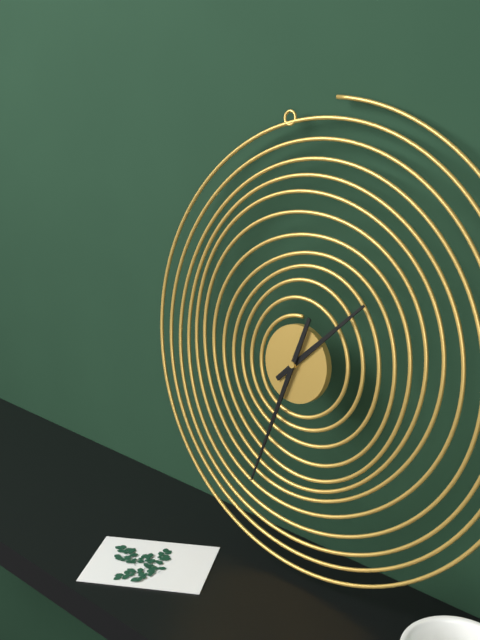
1,33
